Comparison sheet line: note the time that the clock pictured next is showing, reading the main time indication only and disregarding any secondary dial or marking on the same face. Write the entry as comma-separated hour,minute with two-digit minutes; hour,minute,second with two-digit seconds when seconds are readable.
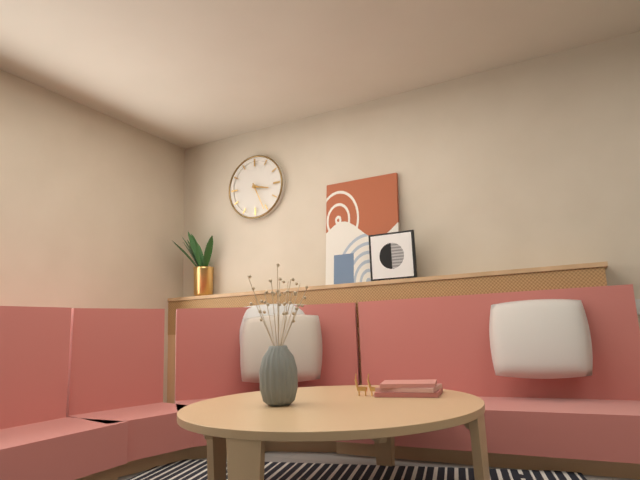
3,26
